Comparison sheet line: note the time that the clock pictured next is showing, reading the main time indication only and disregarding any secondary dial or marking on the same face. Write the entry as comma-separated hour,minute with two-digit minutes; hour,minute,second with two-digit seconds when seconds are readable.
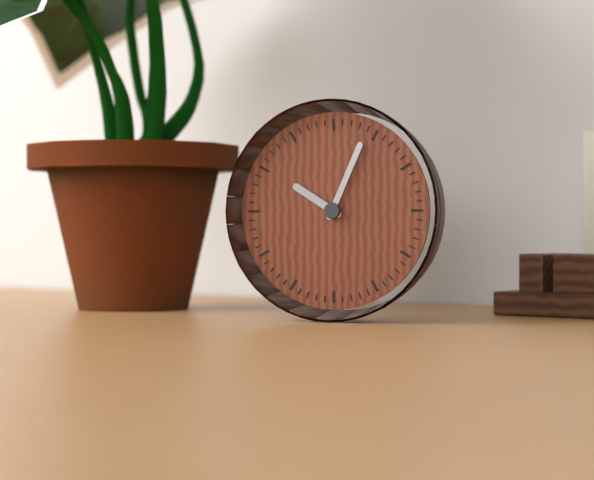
10,04
